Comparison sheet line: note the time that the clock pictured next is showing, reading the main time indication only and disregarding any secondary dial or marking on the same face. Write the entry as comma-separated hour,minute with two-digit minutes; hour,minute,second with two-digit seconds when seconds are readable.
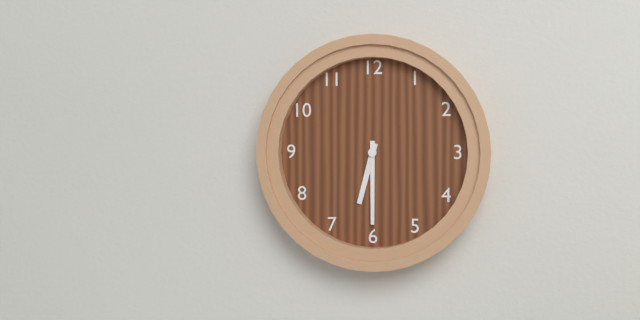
6,30
